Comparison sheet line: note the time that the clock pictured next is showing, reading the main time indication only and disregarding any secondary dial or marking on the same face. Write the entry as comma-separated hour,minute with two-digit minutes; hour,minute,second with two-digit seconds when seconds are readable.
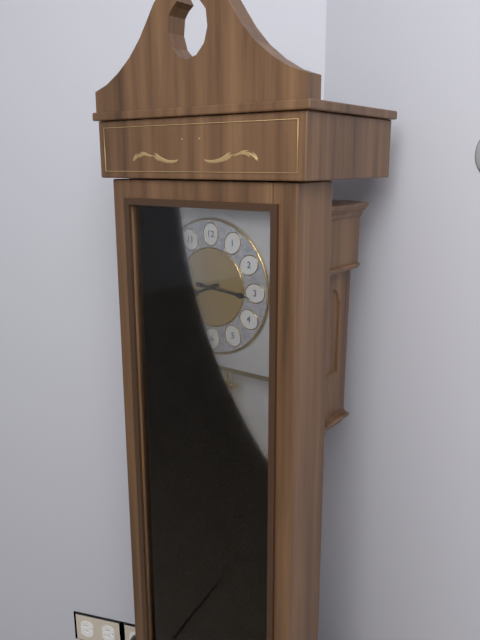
8,16
